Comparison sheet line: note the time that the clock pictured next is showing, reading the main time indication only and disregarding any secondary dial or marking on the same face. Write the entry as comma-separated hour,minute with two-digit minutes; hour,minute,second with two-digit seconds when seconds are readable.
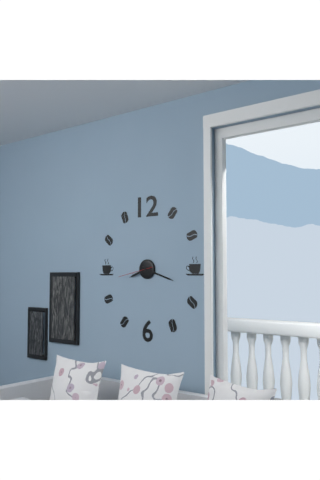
8,18
